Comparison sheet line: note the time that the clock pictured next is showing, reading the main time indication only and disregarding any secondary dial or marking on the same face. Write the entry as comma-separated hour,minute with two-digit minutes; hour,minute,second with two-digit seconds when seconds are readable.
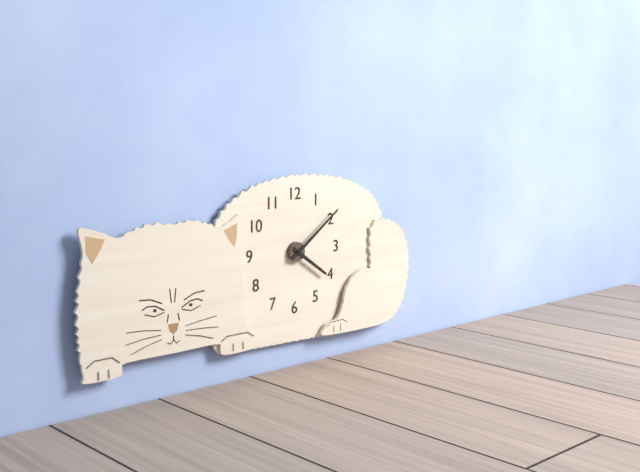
4,09
